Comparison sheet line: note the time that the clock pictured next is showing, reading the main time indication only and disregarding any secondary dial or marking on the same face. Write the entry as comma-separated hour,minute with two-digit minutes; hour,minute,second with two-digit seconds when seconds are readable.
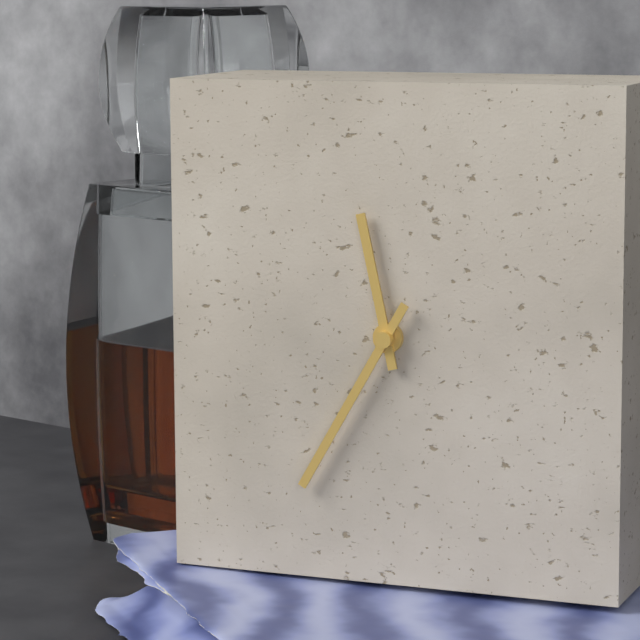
11,35
